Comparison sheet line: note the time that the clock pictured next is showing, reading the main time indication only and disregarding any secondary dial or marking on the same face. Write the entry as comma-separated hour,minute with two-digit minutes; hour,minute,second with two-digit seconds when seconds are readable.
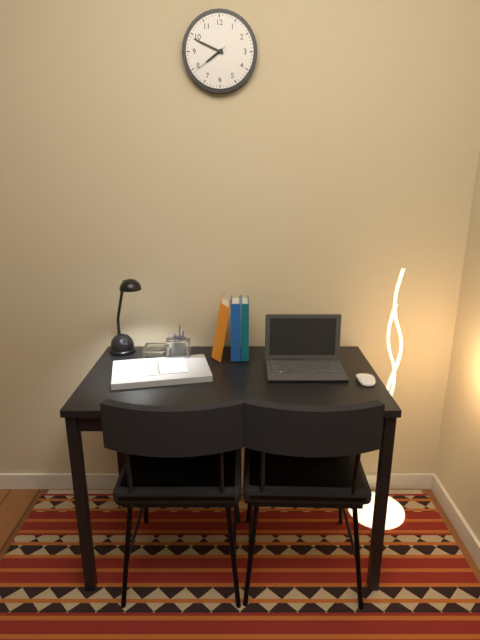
7,49
